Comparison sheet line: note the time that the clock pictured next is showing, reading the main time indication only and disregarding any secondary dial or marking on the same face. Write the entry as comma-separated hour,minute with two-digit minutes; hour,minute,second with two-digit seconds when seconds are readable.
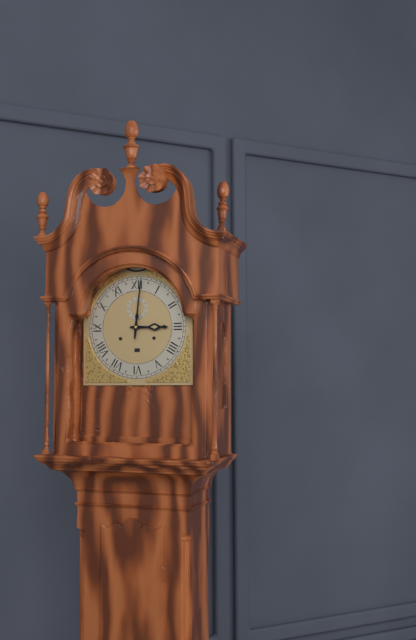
3,01
